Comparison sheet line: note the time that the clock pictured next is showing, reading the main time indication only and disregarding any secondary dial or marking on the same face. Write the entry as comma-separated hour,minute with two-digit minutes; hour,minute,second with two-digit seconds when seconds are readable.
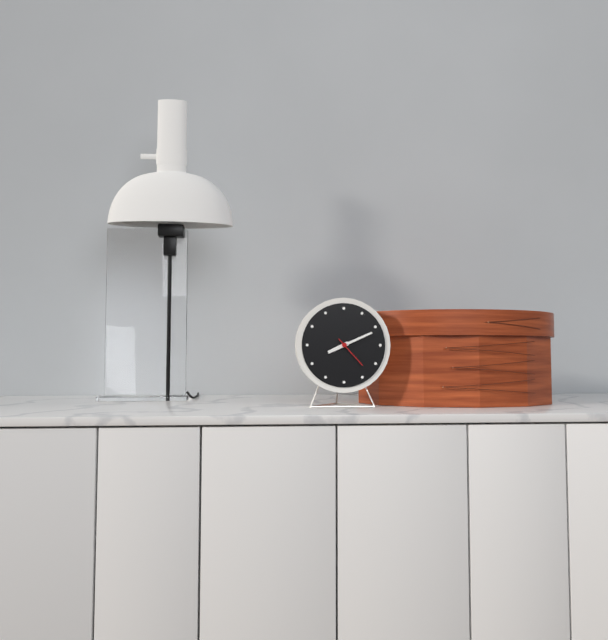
8,11
